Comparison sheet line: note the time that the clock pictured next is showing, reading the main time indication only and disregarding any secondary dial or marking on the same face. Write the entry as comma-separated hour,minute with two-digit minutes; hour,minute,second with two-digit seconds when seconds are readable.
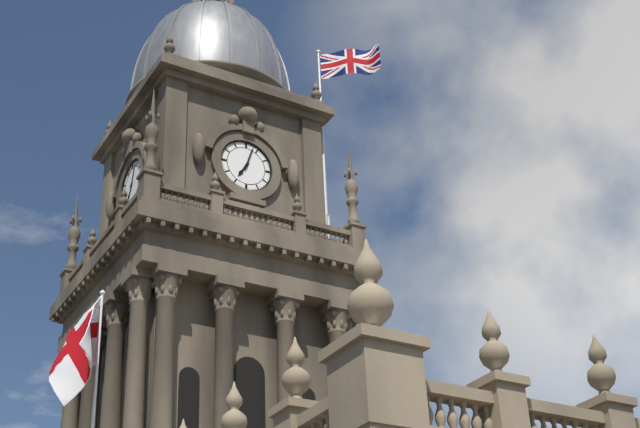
7,03
